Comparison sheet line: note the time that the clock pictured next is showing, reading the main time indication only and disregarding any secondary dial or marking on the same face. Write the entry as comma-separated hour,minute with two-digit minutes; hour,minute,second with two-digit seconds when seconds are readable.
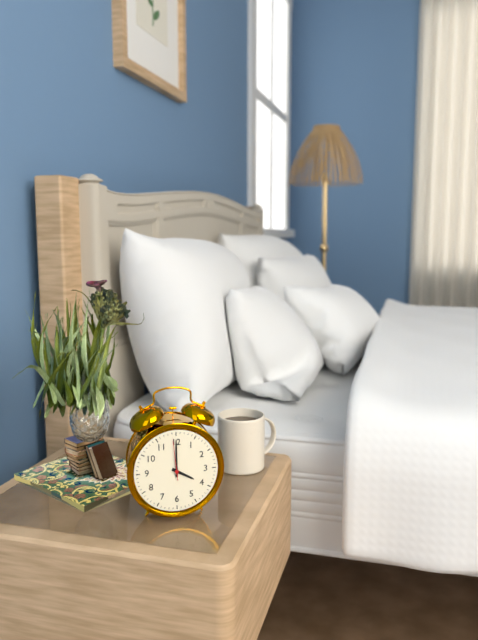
4,00
